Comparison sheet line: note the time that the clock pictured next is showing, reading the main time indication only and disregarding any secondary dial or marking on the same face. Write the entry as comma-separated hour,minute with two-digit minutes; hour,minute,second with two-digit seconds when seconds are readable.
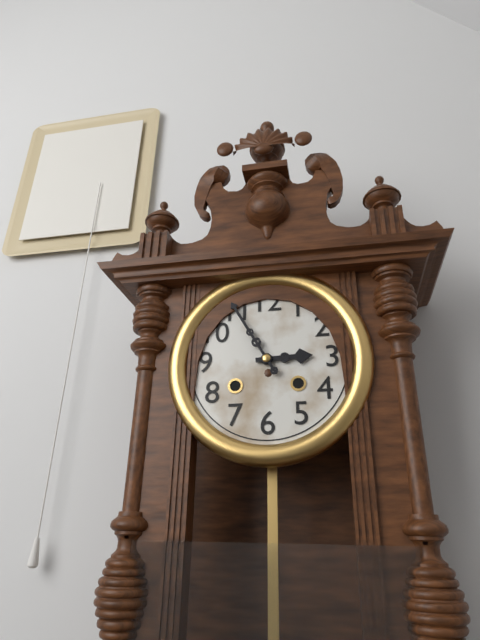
2,55
